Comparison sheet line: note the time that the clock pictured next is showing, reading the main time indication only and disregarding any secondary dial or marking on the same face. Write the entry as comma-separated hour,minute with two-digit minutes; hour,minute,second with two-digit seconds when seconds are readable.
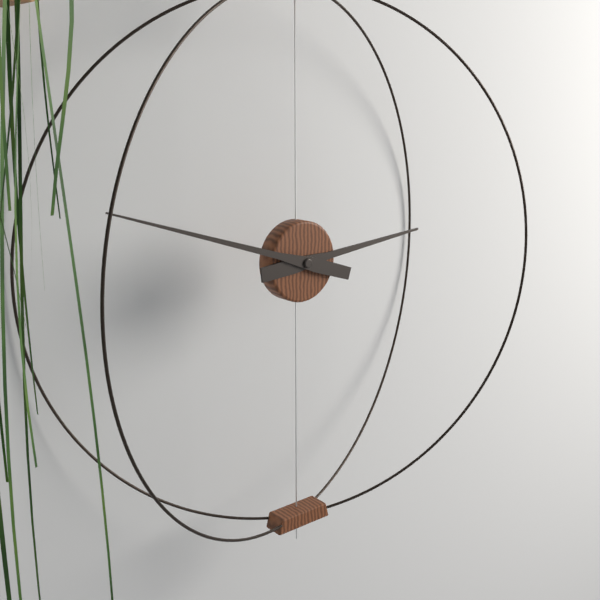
2,48
